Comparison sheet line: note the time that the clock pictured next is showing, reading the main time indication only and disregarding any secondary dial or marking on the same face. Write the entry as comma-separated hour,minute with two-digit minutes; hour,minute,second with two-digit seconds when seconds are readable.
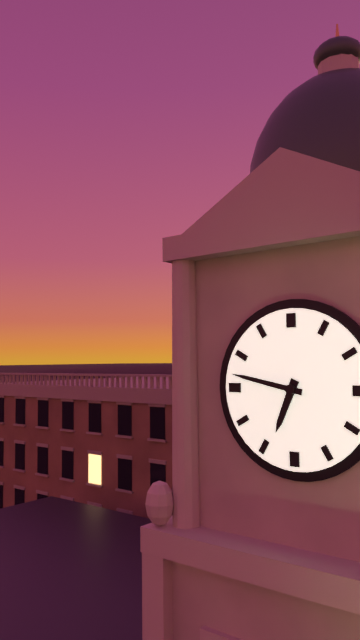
6,47
